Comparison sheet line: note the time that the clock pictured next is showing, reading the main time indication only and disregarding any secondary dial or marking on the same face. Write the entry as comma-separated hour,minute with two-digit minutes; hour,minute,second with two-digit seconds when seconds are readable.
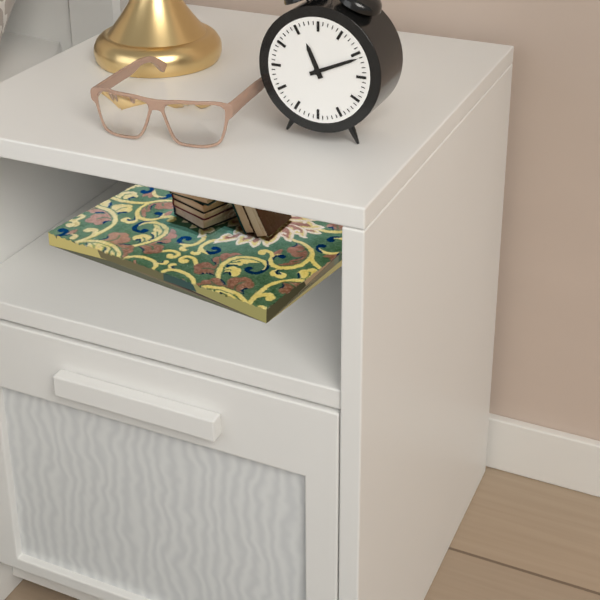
11,11
